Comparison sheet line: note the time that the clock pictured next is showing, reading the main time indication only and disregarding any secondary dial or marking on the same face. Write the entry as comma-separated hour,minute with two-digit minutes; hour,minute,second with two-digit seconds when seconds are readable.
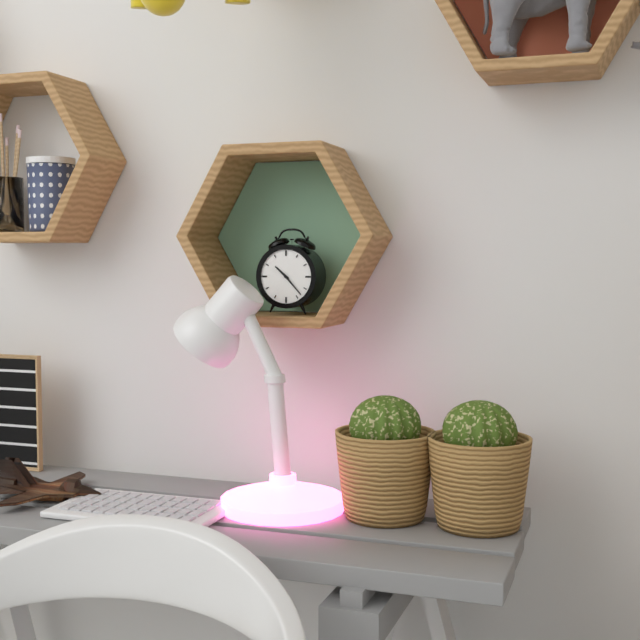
10,23
